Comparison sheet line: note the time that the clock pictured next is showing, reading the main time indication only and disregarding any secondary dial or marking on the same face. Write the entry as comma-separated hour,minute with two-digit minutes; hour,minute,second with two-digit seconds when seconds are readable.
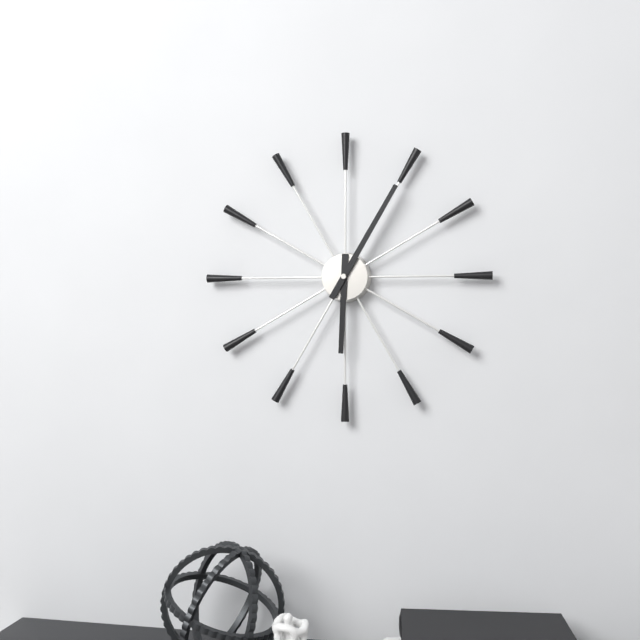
6,05
